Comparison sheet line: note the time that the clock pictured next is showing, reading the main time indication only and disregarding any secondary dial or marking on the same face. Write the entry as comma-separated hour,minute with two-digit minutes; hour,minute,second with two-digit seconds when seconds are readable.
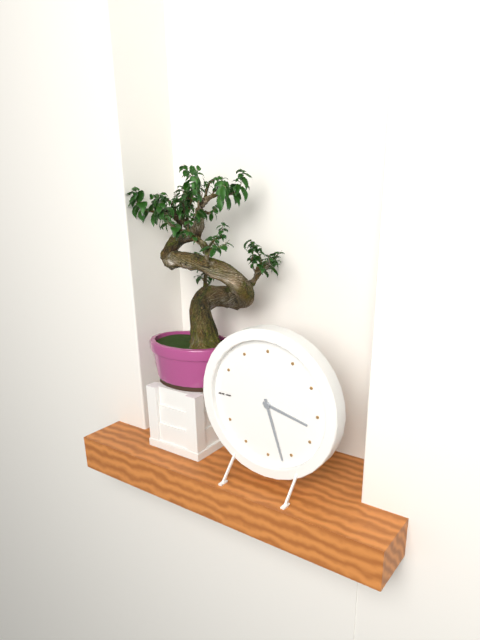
3,27
